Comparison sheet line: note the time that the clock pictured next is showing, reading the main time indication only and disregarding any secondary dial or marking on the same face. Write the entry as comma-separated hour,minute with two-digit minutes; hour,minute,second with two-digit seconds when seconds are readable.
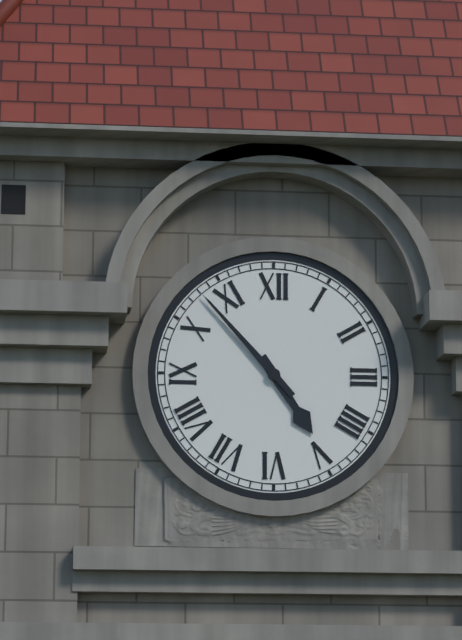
4,53
